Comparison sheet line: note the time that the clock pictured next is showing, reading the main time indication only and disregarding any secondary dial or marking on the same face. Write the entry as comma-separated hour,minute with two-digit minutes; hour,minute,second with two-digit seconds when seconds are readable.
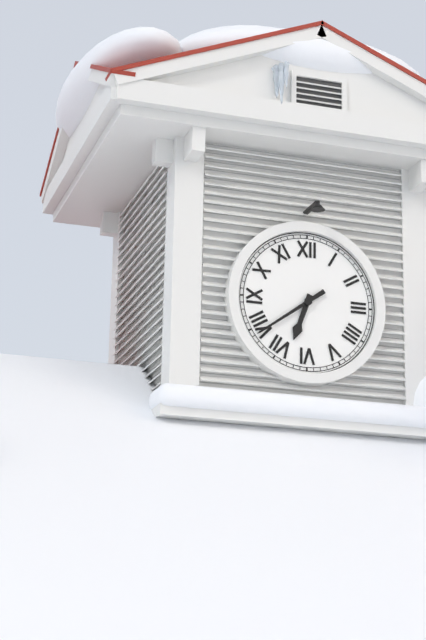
6,39
